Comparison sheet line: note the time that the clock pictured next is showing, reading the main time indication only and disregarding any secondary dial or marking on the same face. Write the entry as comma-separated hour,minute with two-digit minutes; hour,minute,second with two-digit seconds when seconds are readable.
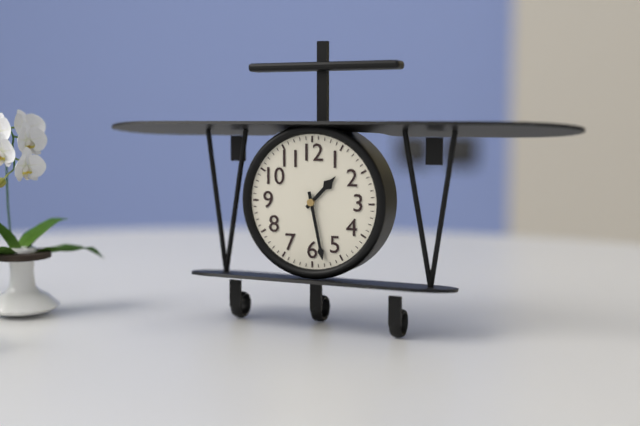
1,28
